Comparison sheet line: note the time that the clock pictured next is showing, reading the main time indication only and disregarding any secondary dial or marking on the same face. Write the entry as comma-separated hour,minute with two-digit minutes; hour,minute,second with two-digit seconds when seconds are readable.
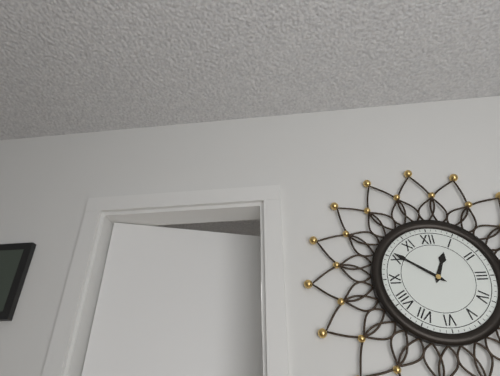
12,51
